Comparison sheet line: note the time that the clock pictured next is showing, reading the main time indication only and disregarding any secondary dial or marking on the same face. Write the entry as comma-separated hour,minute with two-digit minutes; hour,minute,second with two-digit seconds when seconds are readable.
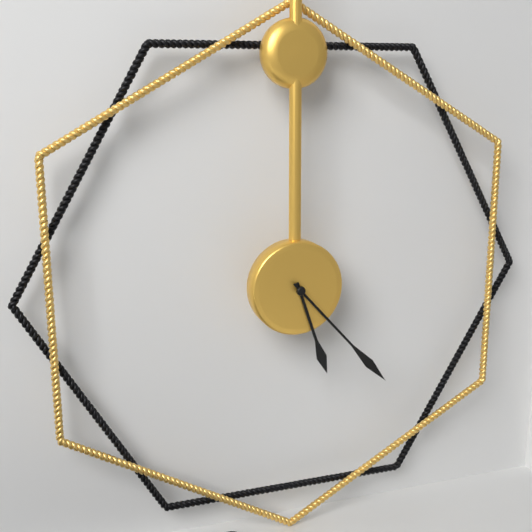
5,23
